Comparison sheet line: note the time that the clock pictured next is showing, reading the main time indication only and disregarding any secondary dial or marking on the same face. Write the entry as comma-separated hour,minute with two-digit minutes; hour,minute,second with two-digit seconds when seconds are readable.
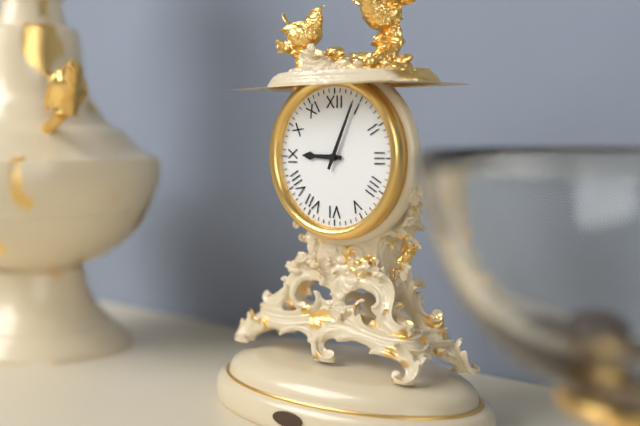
9,04
